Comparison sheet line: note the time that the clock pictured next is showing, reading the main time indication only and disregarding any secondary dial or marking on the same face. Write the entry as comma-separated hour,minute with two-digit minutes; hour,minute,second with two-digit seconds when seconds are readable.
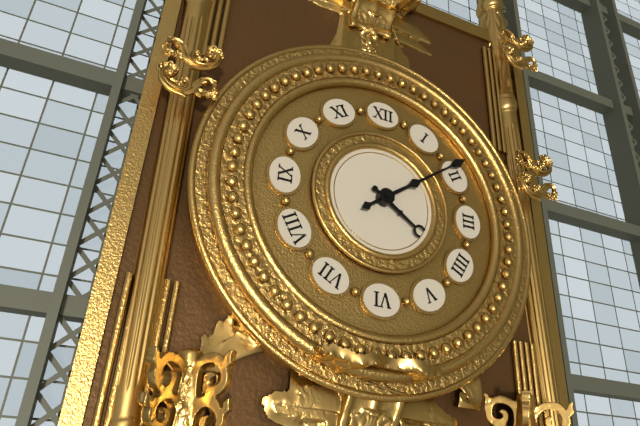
4,09
